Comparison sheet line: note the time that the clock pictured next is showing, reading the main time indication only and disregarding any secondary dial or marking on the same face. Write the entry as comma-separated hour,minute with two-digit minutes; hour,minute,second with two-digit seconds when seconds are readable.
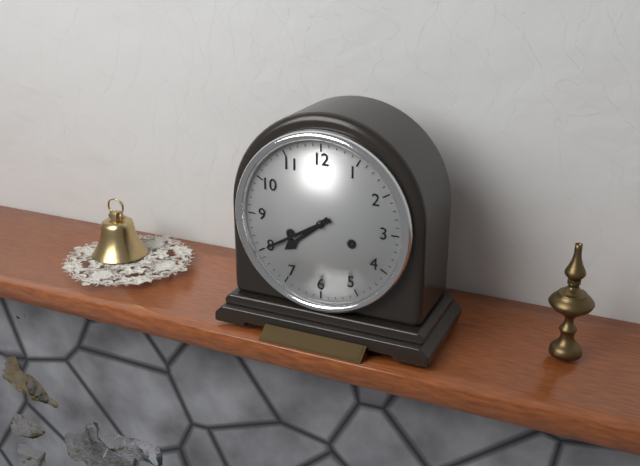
7,40
